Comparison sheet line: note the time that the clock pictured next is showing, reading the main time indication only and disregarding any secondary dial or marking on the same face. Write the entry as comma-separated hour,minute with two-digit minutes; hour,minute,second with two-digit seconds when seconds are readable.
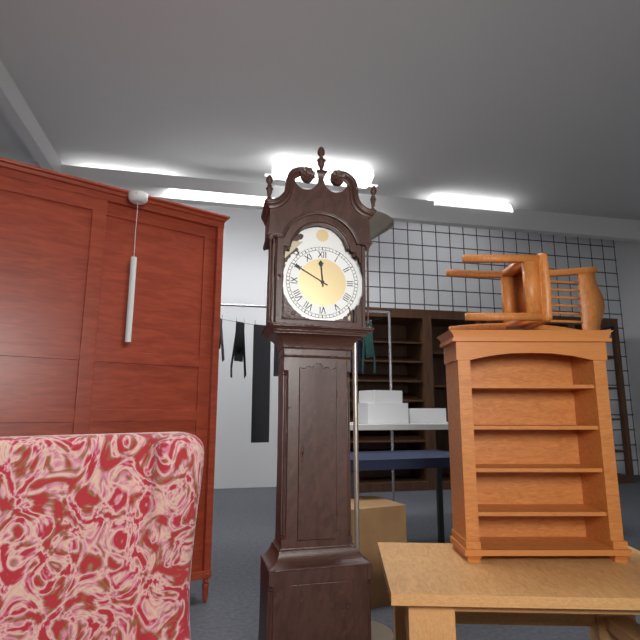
11,50
